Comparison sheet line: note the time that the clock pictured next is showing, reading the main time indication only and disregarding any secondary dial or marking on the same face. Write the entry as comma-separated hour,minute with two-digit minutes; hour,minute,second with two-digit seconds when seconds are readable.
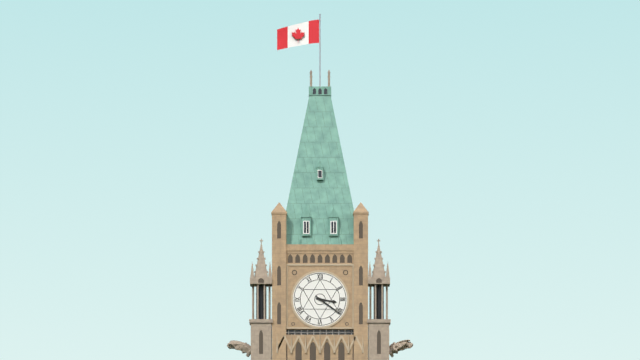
3,21
